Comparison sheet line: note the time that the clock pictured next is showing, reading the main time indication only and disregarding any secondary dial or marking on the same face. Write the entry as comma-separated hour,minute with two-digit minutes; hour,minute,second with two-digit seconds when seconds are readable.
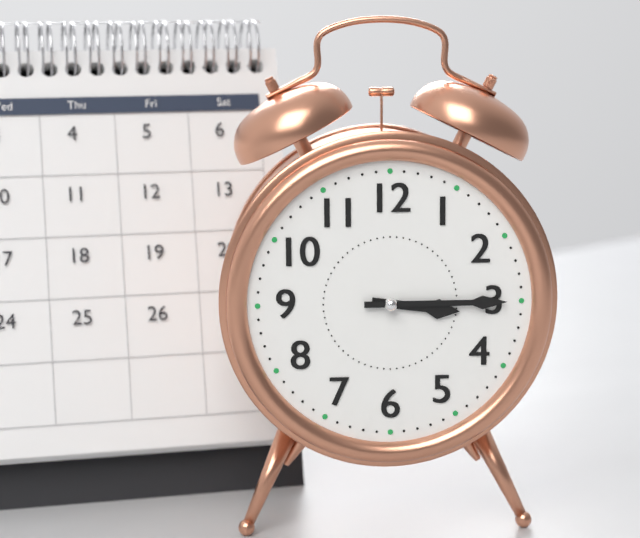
3,15
